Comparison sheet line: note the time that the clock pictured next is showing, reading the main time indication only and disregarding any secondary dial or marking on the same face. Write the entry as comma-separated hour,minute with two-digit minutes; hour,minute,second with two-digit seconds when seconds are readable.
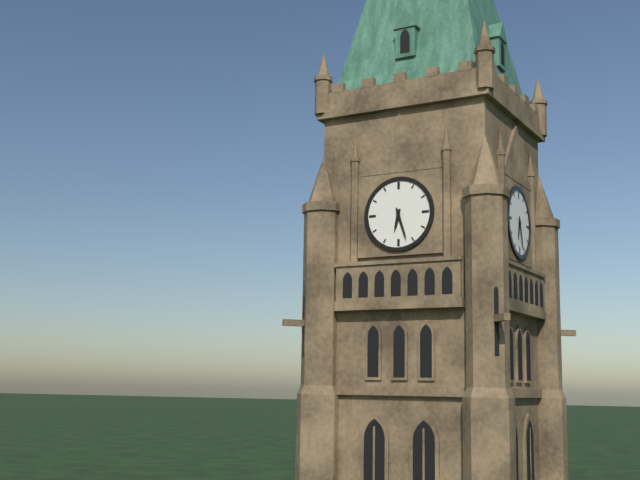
6,27
